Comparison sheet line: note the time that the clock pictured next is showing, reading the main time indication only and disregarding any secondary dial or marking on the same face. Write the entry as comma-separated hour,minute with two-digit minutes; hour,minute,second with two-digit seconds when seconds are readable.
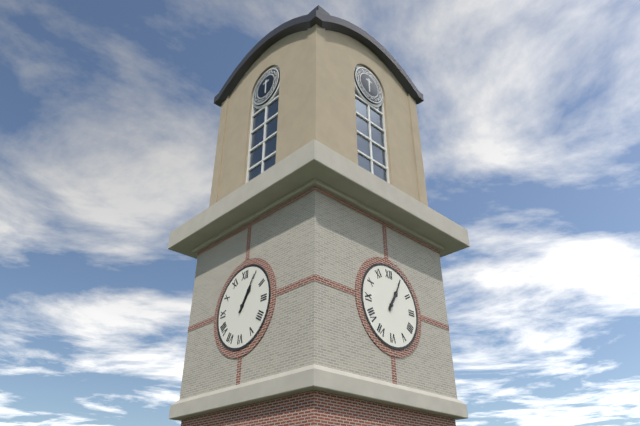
1,05
